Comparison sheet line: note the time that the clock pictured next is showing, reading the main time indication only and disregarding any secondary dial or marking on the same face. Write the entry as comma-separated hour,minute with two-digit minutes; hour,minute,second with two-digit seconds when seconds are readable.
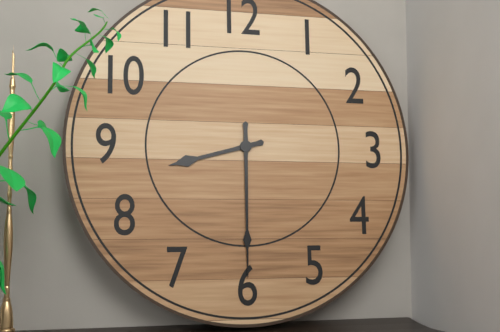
8,30
